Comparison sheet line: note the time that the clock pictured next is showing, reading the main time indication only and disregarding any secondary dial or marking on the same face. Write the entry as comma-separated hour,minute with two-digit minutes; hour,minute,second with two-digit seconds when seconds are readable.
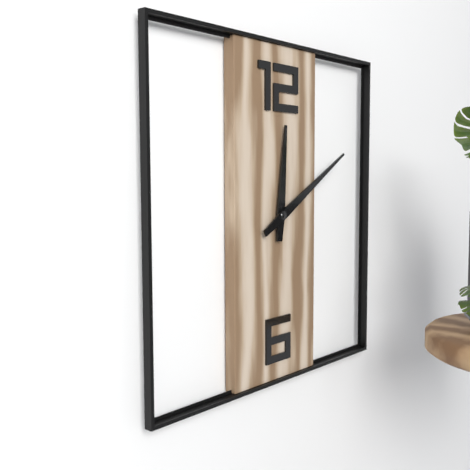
12,10
